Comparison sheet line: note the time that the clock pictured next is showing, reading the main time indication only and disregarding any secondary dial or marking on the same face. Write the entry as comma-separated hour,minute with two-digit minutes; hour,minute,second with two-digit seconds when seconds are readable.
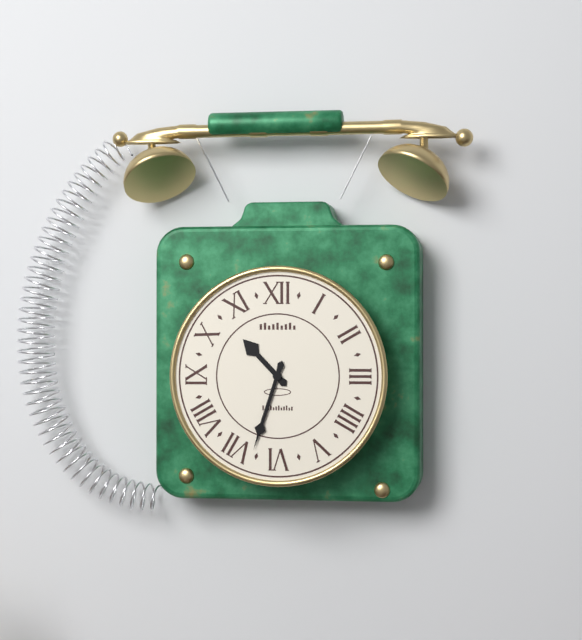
10,33
